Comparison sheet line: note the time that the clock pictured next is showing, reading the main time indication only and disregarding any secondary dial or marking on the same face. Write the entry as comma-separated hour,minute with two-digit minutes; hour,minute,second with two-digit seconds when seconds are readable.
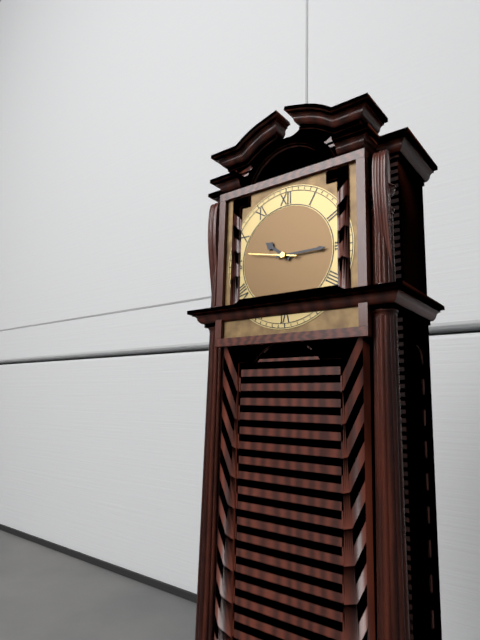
10,15
